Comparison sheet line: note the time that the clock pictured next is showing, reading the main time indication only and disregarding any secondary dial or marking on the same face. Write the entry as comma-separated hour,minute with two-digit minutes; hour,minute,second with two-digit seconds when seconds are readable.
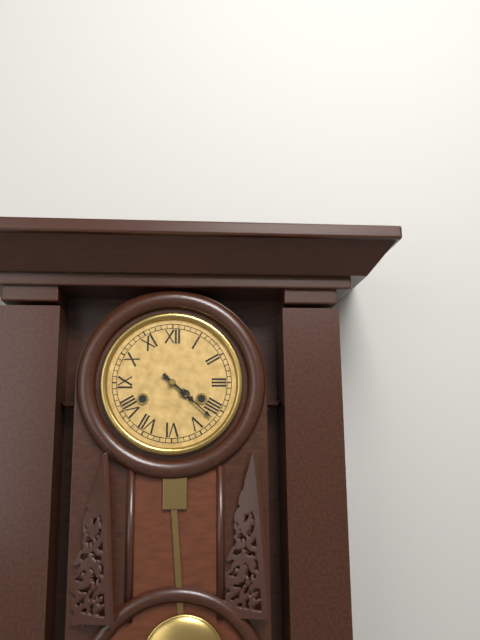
4,22
